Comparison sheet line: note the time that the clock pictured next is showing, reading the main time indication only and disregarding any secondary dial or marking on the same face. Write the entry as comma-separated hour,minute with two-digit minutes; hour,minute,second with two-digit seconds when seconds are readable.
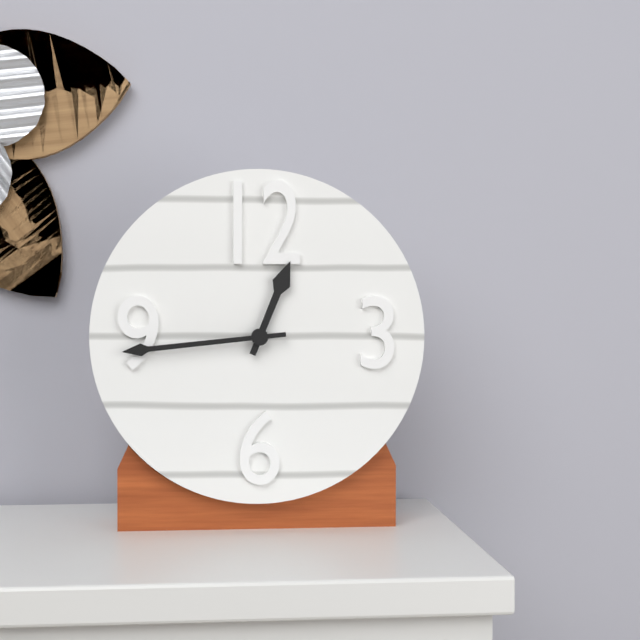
12,44
